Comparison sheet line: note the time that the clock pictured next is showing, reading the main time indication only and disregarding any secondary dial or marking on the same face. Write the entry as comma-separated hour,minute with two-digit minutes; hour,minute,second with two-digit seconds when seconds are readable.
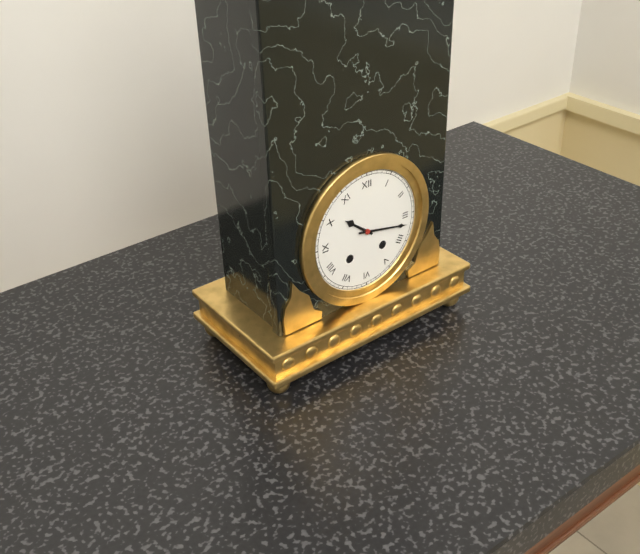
10,17
